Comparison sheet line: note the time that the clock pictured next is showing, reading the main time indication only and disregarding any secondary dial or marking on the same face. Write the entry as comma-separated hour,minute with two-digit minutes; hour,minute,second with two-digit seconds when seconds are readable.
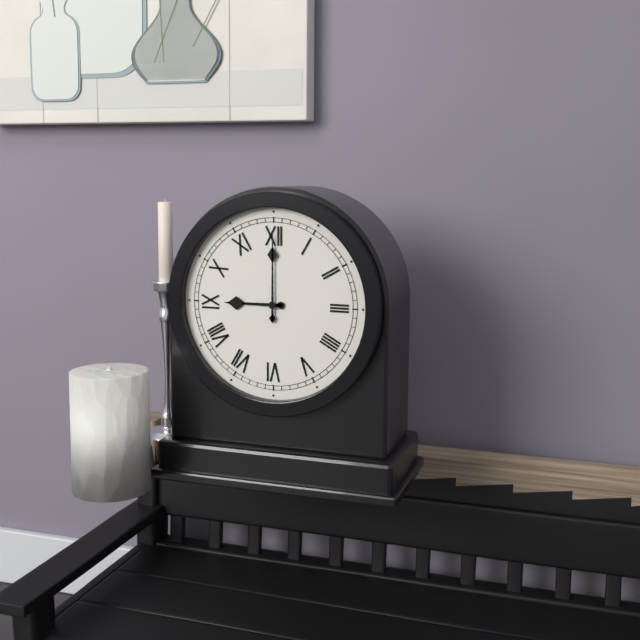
9,00
